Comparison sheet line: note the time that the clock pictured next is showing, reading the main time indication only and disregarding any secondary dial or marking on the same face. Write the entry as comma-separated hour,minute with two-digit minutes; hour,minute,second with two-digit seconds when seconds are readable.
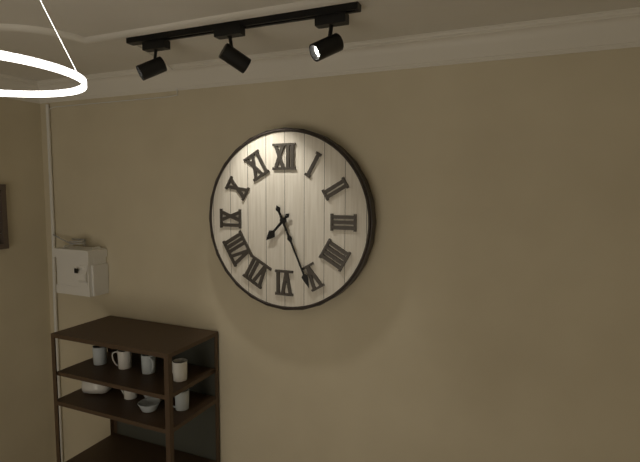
7,26
